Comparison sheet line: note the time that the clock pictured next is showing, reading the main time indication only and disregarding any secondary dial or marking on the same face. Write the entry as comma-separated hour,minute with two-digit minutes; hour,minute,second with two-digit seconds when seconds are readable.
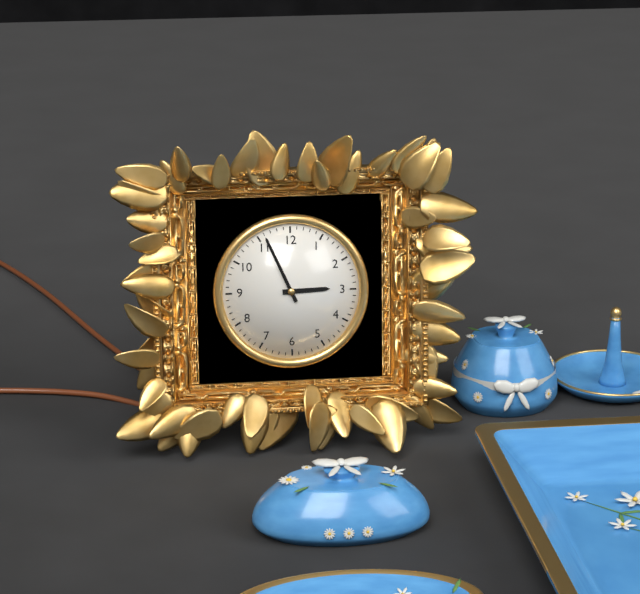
2,56
